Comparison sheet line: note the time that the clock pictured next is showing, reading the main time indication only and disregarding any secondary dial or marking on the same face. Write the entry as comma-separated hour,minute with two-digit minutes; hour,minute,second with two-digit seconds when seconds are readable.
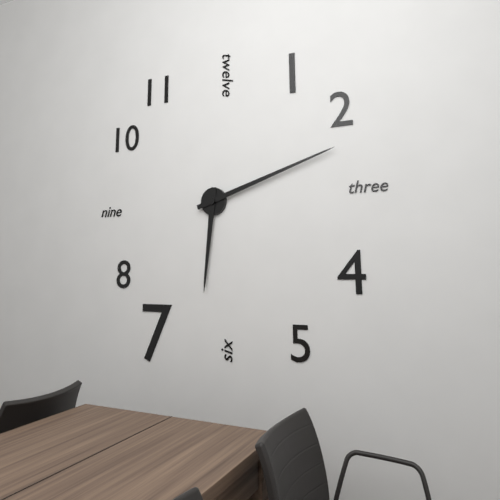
6,12
